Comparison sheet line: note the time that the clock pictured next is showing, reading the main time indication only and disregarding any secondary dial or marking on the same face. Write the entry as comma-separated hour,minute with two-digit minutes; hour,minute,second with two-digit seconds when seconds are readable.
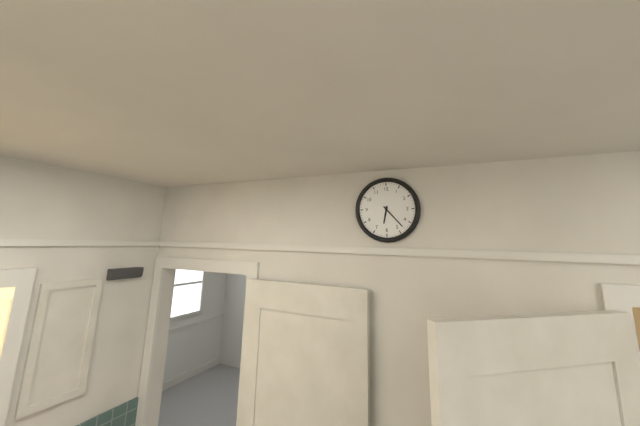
6,23
